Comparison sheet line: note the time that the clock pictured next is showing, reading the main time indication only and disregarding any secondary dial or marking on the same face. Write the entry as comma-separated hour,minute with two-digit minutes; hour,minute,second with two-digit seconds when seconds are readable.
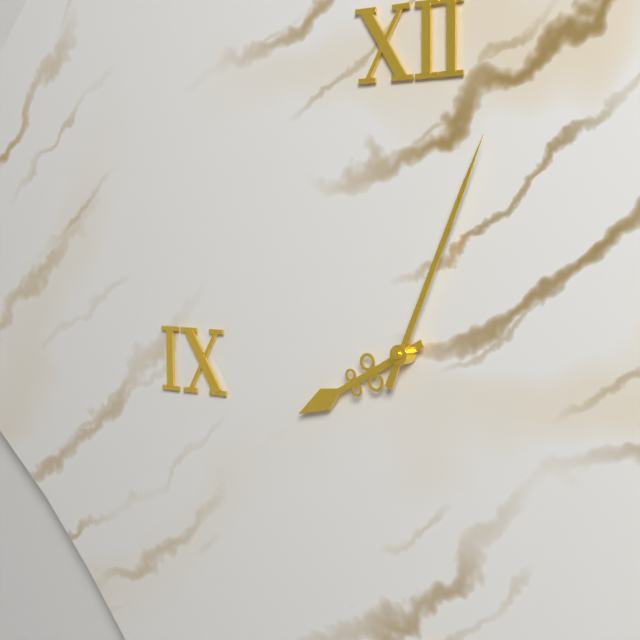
8,04
